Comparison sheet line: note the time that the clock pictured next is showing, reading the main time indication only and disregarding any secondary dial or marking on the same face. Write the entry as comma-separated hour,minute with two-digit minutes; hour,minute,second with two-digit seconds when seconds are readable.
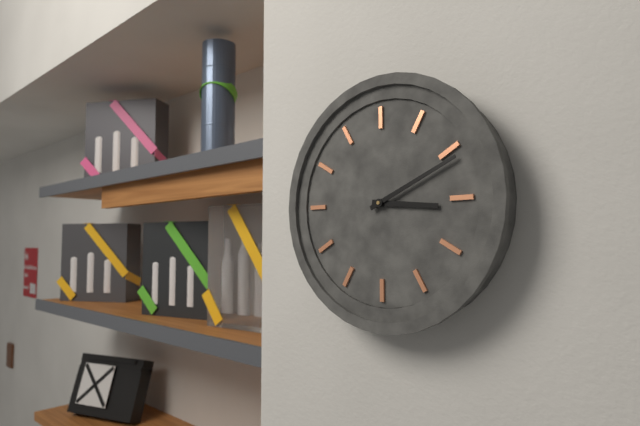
3,11
